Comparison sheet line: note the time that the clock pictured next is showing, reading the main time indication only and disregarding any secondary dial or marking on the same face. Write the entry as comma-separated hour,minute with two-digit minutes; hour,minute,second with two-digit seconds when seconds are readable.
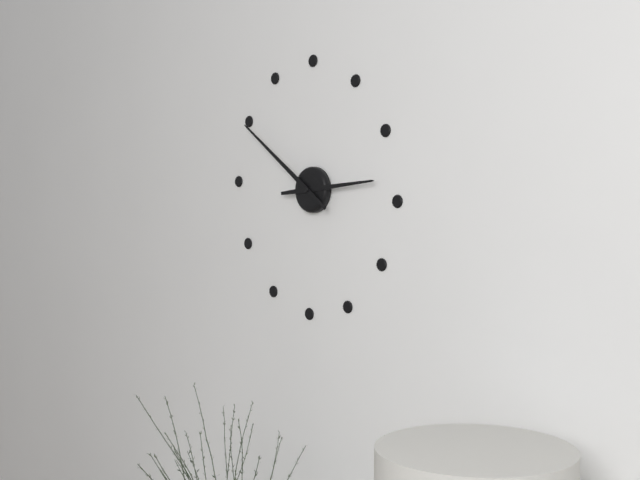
2,51
